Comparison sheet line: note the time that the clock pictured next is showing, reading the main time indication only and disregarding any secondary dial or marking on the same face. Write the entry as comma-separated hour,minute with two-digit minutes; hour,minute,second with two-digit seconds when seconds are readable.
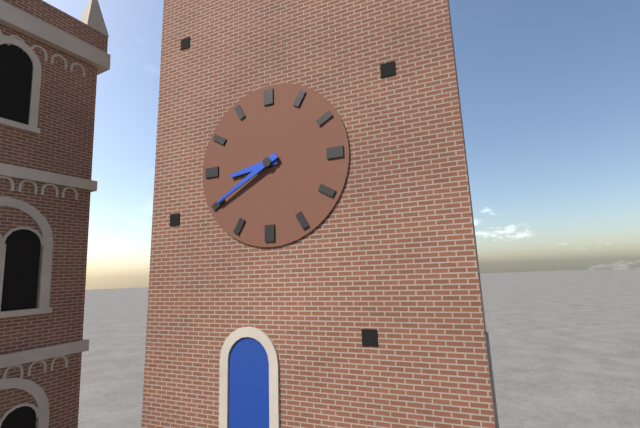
8,40
